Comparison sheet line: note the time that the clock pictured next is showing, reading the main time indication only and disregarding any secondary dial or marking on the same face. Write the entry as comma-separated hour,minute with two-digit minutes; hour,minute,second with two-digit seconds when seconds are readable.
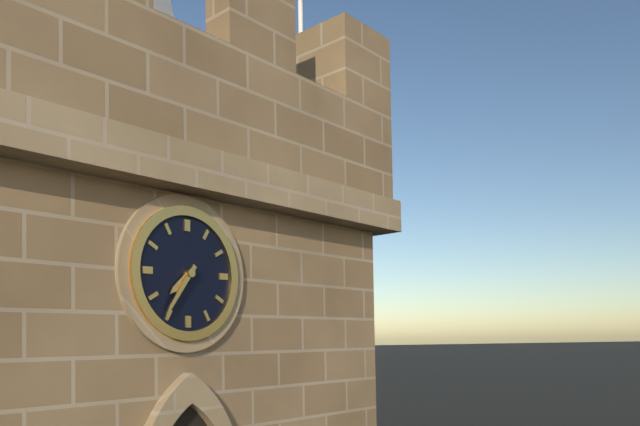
7,36
